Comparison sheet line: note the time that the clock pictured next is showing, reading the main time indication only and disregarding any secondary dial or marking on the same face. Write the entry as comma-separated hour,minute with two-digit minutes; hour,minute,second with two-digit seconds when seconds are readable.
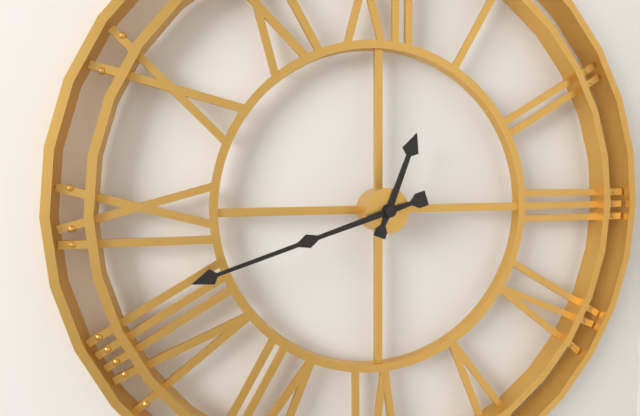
12,42
